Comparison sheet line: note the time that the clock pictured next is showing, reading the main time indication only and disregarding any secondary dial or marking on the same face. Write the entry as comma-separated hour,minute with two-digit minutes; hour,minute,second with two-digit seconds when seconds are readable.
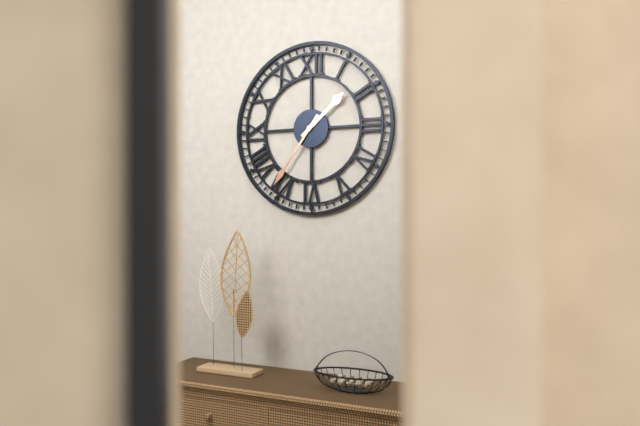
1,36
